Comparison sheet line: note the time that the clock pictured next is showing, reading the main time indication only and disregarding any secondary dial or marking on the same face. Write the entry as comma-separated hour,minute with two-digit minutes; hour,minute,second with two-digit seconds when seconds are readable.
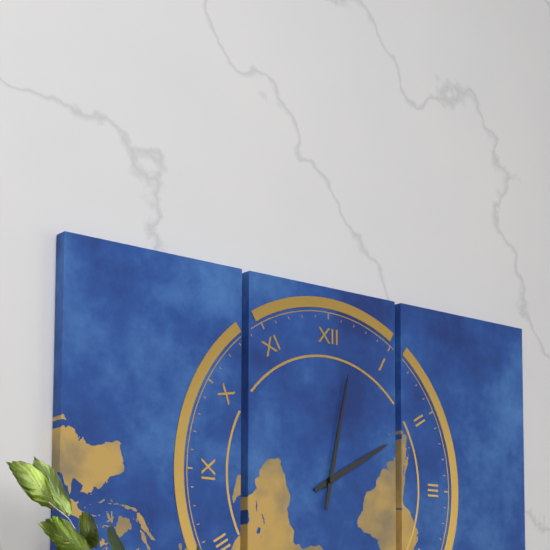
2,02
